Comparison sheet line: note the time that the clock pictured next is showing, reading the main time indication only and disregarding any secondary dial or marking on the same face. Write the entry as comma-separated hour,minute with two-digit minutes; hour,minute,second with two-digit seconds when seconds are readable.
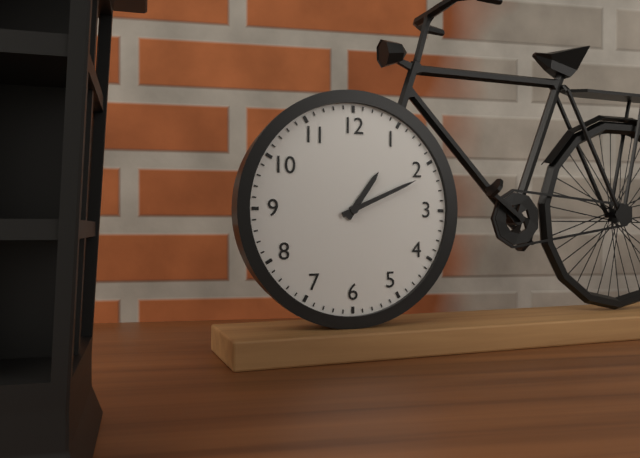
1,11
